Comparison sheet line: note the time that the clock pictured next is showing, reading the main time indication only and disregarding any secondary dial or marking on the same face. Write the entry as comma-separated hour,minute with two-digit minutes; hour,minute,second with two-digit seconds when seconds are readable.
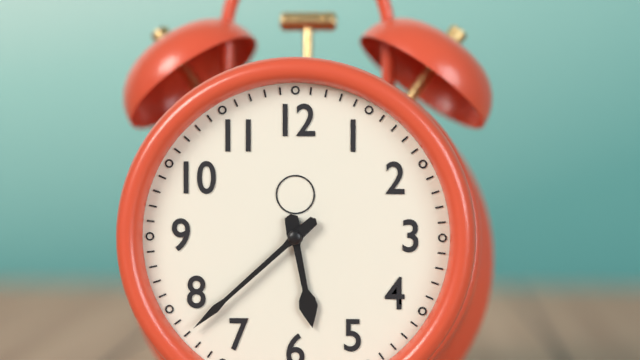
5,38
